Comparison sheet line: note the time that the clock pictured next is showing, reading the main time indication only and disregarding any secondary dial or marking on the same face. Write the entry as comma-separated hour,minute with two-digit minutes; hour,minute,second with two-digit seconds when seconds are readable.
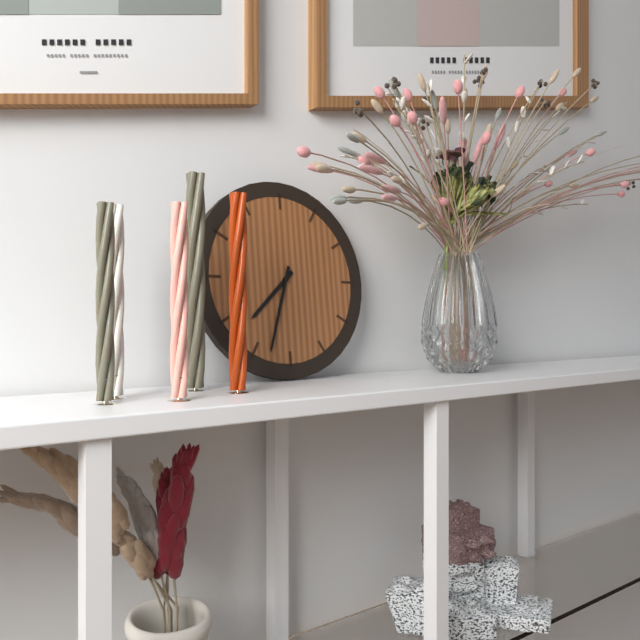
7,33
